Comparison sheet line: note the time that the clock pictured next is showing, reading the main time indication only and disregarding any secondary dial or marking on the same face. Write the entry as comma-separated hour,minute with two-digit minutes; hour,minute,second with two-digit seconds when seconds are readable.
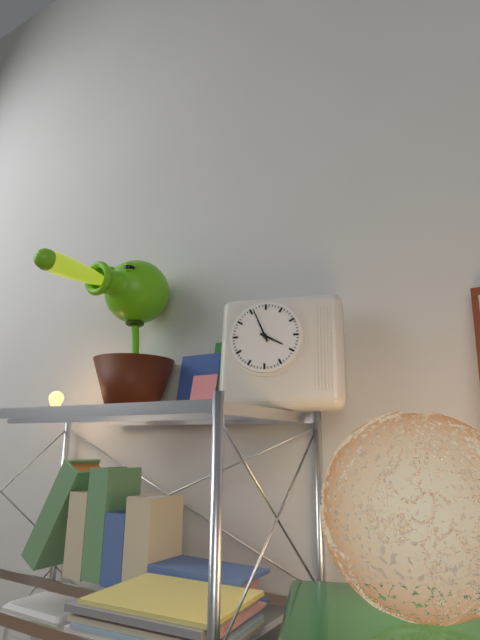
3,56
